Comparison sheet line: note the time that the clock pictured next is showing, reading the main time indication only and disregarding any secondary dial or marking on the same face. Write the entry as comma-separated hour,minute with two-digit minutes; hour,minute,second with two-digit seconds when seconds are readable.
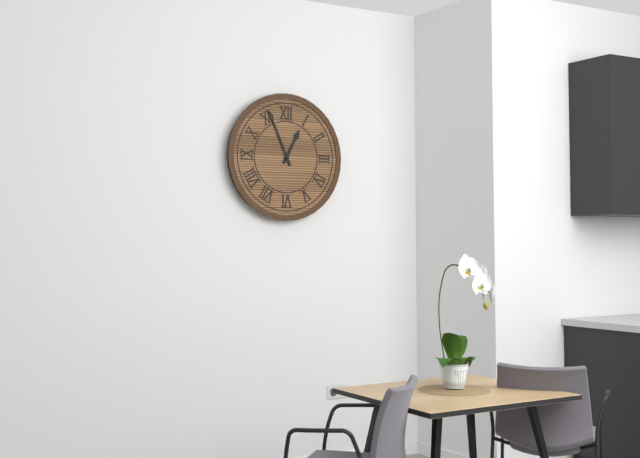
12,56
